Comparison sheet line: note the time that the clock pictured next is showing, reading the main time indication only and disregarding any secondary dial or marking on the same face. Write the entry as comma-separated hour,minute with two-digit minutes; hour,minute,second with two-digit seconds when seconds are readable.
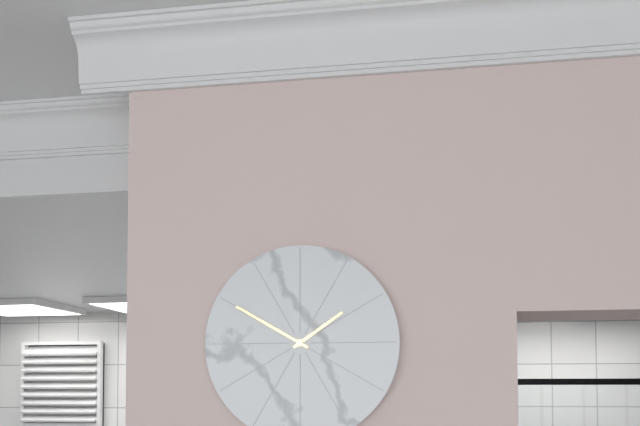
1,50
